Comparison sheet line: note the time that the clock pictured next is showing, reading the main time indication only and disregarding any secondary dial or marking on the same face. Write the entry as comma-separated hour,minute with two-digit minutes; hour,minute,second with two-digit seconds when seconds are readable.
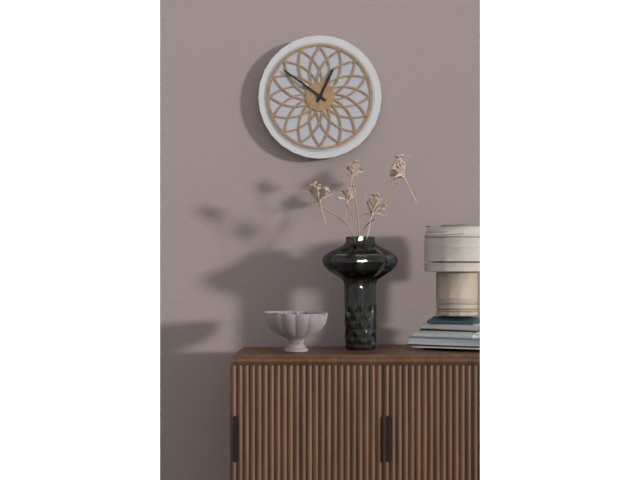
12,51
